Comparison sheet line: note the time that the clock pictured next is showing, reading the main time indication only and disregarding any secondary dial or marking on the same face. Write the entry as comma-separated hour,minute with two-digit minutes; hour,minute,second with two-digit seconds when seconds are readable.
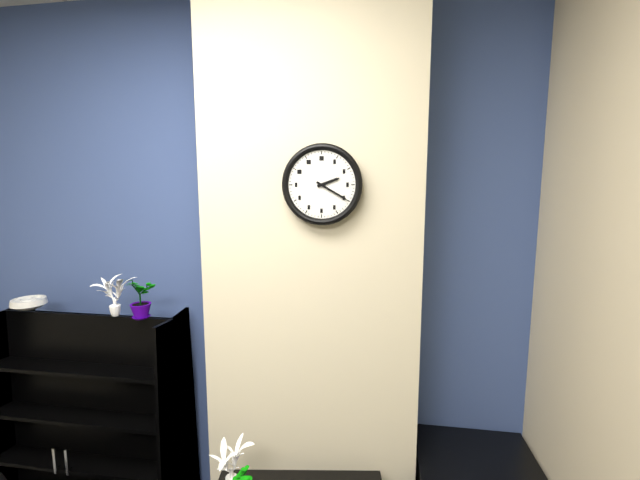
2,20
